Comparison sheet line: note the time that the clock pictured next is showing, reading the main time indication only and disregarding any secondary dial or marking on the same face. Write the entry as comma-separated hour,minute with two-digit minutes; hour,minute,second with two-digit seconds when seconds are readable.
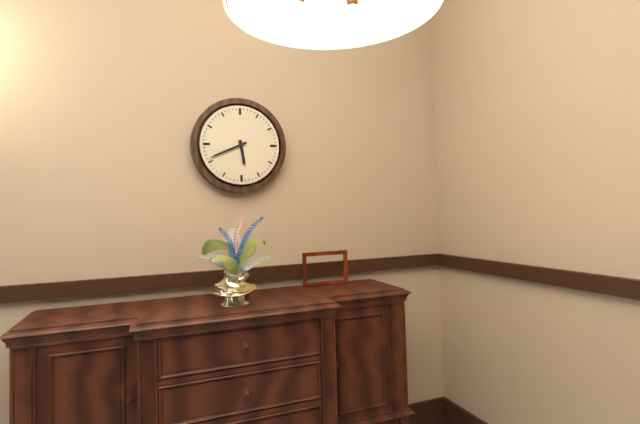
5,41
